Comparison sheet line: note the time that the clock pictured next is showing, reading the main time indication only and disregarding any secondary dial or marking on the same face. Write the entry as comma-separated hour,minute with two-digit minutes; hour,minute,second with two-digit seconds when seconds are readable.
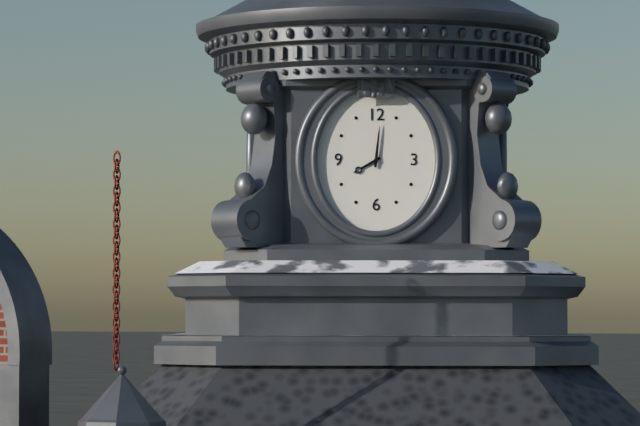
8,01
